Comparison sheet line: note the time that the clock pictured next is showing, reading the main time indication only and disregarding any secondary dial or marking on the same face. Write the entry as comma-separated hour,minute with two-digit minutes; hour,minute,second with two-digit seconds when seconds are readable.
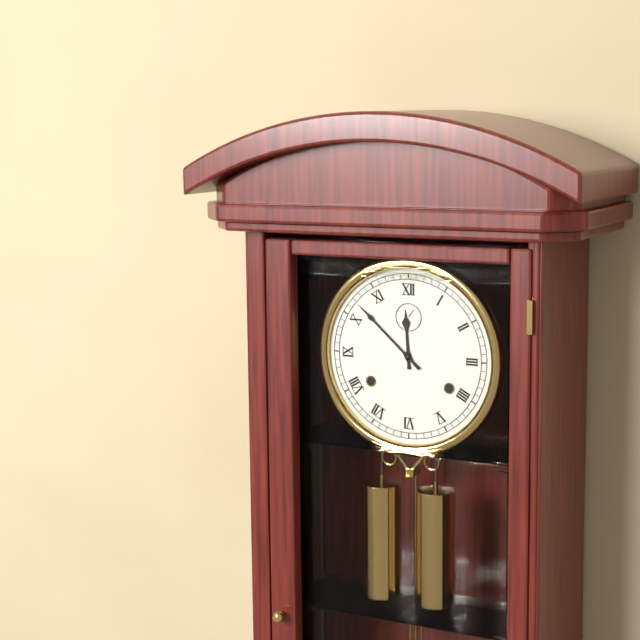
11,52
